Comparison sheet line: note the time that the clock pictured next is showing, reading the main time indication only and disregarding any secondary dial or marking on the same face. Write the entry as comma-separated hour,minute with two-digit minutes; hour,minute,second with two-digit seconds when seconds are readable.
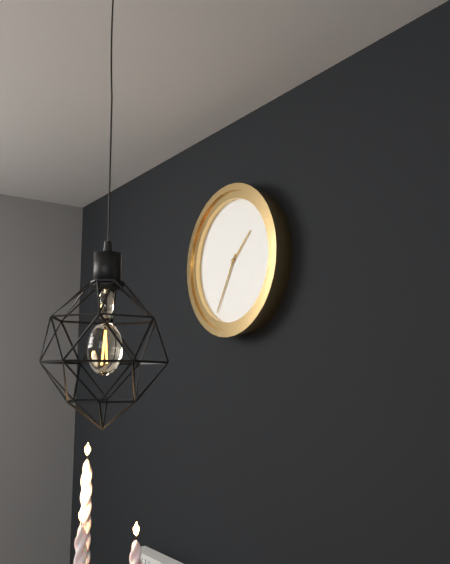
1,35
